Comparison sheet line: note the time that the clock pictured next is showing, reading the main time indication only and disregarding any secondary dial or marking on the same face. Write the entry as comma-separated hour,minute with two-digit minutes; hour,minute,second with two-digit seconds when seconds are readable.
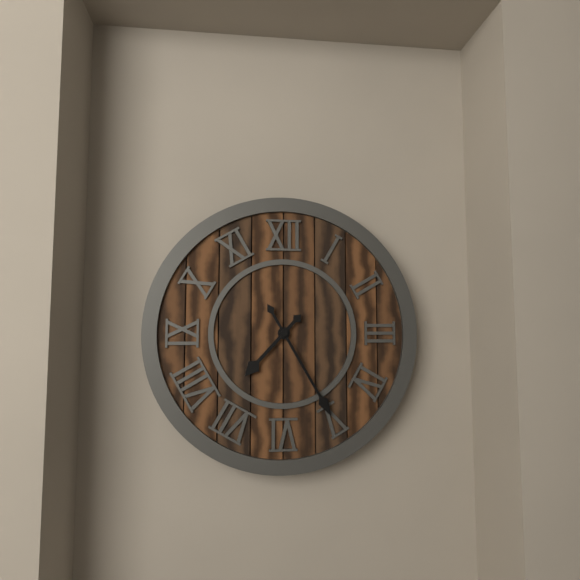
7,25
